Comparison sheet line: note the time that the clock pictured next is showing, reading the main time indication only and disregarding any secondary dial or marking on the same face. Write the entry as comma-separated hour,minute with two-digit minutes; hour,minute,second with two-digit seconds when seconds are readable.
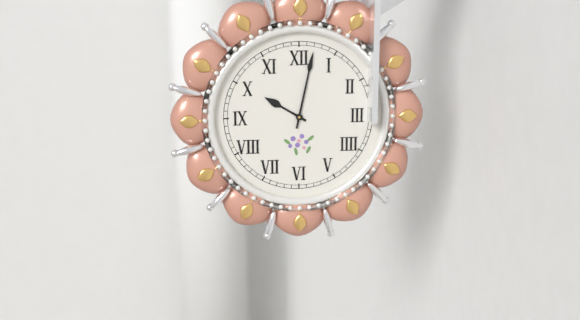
10,02
